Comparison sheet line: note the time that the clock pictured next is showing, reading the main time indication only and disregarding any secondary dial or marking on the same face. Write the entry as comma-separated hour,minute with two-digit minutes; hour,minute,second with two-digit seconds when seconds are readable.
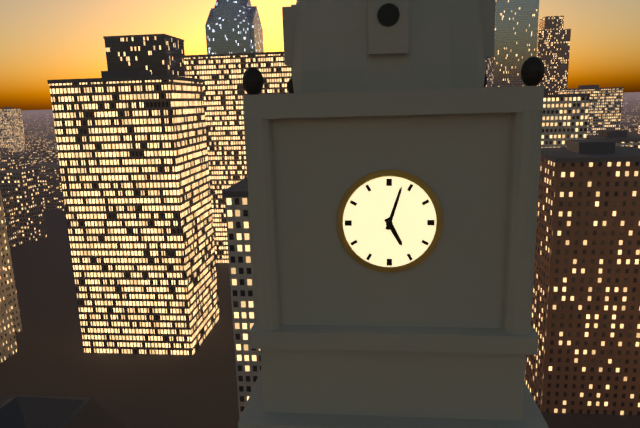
5,03
